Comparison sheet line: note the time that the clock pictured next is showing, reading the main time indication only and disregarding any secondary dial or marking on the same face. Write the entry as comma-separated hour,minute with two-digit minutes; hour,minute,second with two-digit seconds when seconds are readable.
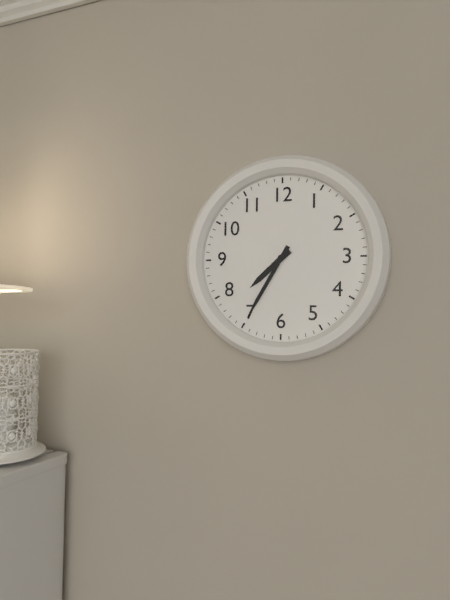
7,35
